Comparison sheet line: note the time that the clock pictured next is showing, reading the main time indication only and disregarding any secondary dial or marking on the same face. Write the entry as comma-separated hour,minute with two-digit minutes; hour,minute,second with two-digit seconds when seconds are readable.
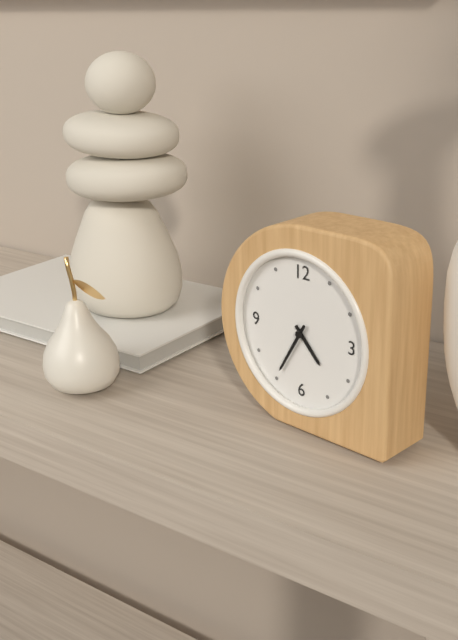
4,35
